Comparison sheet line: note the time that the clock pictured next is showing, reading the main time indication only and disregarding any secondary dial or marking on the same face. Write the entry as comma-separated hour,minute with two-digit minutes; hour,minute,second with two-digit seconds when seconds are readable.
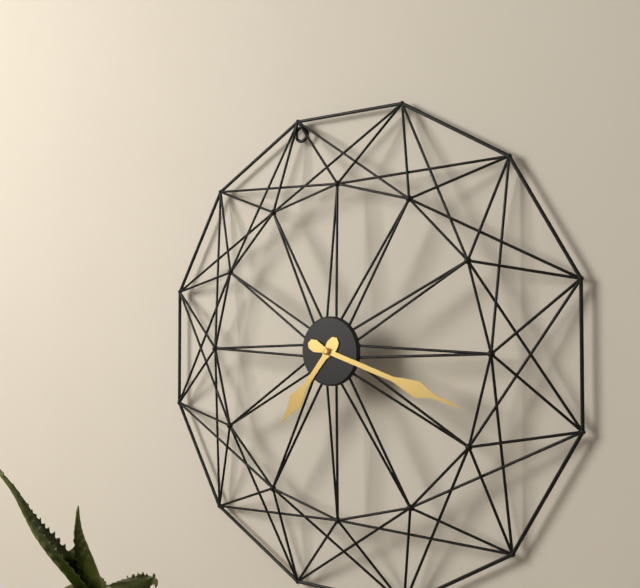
7,18
